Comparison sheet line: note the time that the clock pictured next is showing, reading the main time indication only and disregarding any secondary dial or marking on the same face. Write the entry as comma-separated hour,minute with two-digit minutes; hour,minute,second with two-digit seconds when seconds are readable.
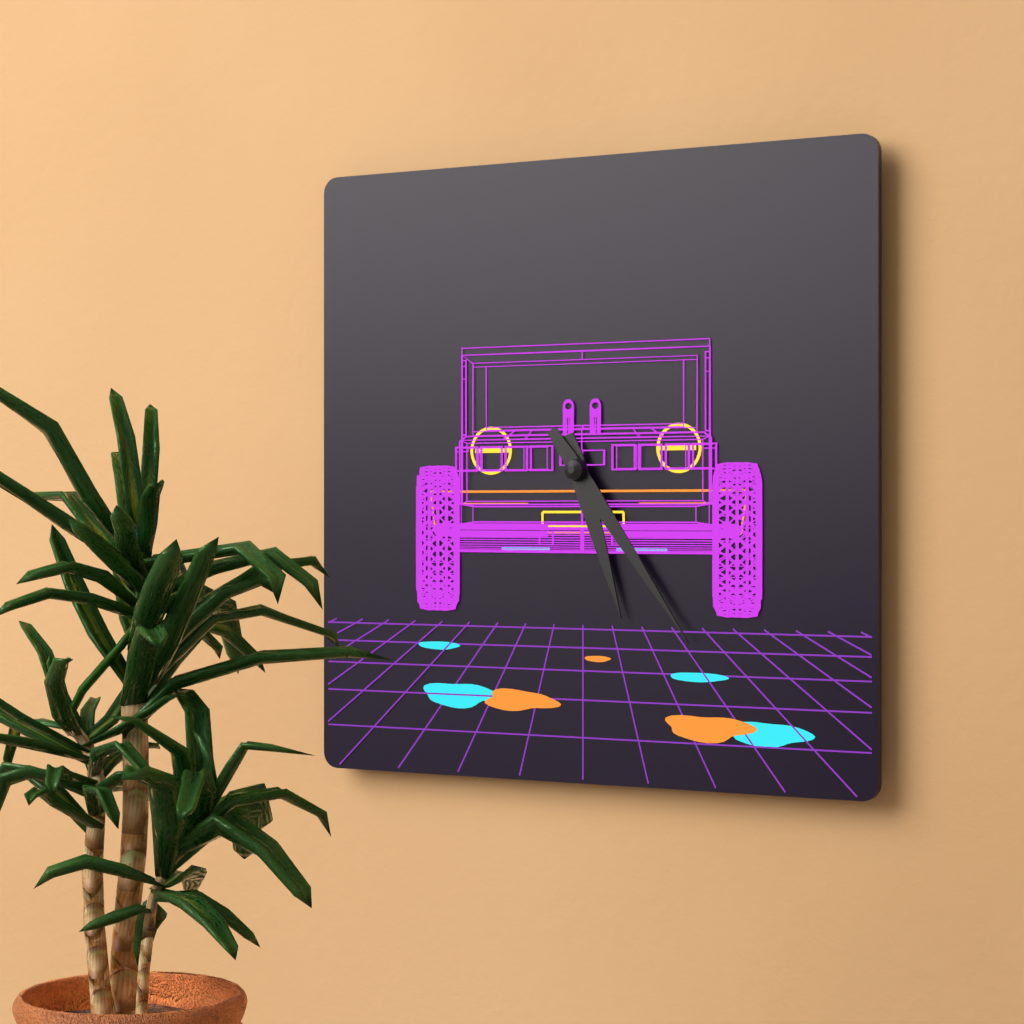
5,24
